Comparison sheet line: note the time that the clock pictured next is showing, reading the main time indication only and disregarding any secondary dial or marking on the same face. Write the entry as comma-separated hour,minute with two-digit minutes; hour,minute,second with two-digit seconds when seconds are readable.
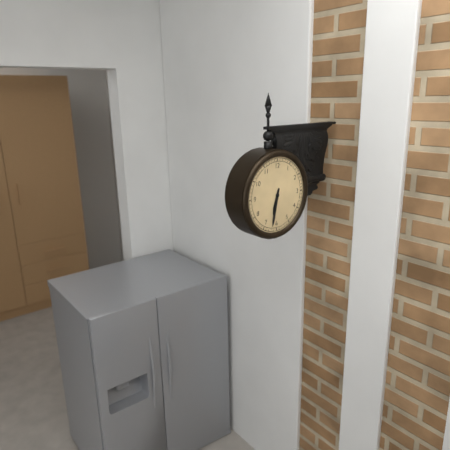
6,32
